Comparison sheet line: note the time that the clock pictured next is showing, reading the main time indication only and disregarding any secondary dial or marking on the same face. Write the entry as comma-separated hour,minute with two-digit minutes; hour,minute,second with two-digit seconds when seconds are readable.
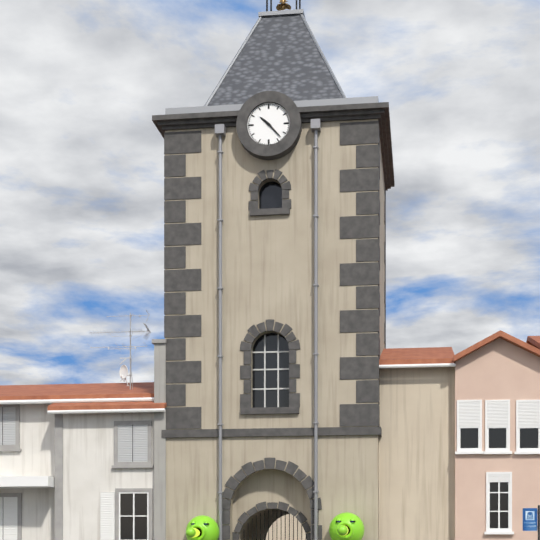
10,23
